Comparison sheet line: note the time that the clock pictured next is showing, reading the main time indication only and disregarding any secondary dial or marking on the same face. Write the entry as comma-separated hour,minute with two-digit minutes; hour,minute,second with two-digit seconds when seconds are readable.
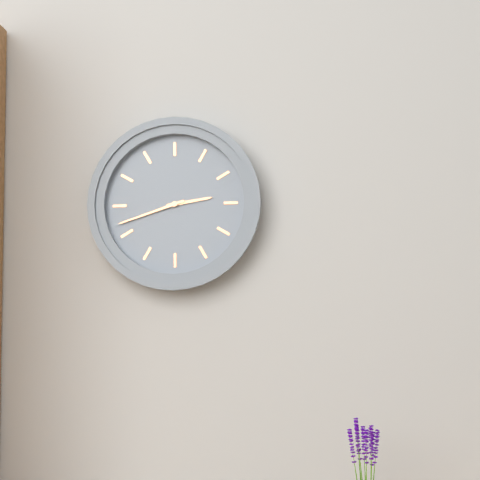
2,42
